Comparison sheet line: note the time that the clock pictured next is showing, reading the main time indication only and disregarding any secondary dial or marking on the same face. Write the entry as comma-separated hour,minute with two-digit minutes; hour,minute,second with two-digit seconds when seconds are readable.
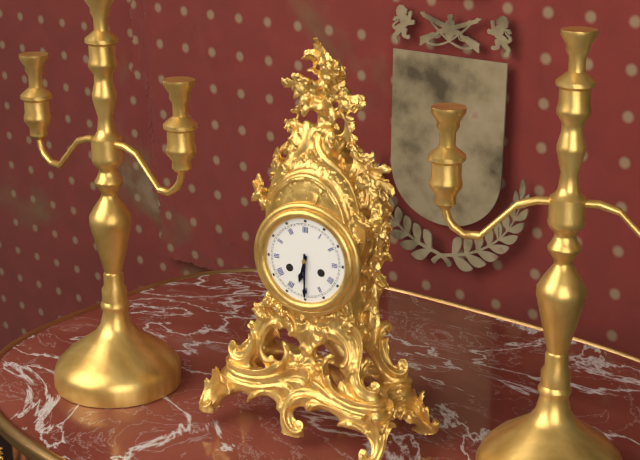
6,30
